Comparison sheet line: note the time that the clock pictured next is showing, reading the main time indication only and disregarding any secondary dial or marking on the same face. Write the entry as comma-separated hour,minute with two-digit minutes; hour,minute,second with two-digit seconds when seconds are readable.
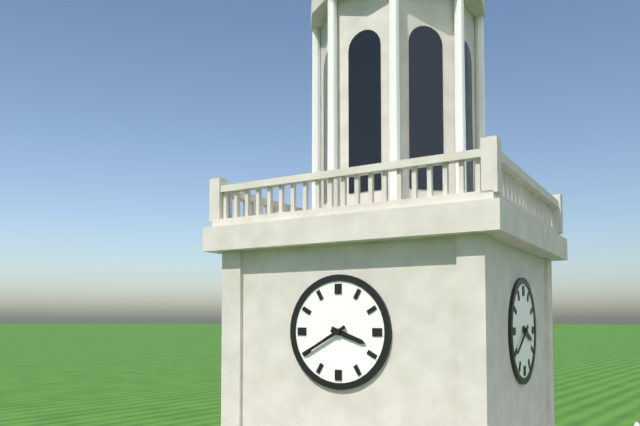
3,40
